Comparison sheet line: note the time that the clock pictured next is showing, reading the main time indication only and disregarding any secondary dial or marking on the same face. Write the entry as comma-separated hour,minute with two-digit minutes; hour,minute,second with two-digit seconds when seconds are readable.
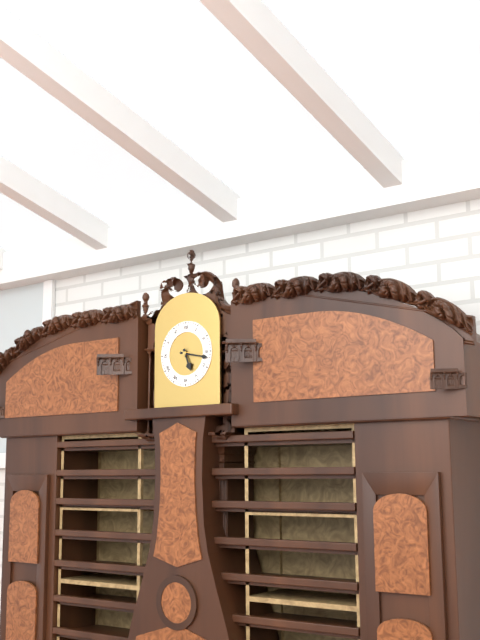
5,17
